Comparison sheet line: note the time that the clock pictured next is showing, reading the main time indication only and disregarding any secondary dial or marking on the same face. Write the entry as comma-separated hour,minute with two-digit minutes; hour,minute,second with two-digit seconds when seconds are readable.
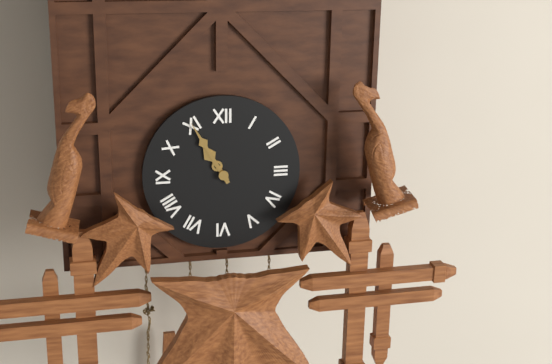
10,55
